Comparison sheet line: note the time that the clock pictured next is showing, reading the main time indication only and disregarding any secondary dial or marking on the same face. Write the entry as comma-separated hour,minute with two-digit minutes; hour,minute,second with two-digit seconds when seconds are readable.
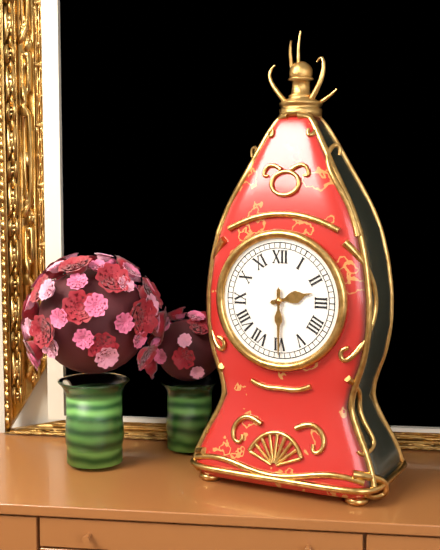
2,30
